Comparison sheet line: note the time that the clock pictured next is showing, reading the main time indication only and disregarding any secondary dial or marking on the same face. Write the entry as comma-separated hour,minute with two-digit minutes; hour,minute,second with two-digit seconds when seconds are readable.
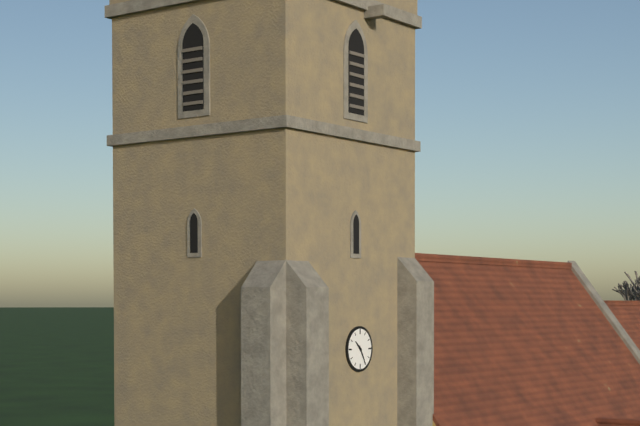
10,25
